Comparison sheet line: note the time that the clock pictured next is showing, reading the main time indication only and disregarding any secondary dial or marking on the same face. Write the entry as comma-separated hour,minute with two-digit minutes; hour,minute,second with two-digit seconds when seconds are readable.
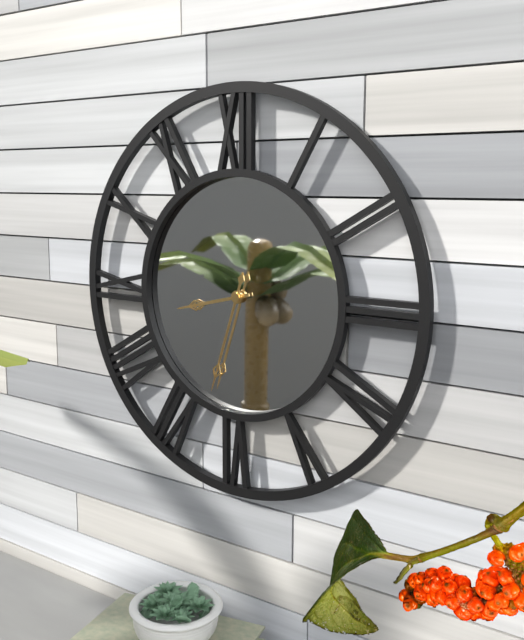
8,33
